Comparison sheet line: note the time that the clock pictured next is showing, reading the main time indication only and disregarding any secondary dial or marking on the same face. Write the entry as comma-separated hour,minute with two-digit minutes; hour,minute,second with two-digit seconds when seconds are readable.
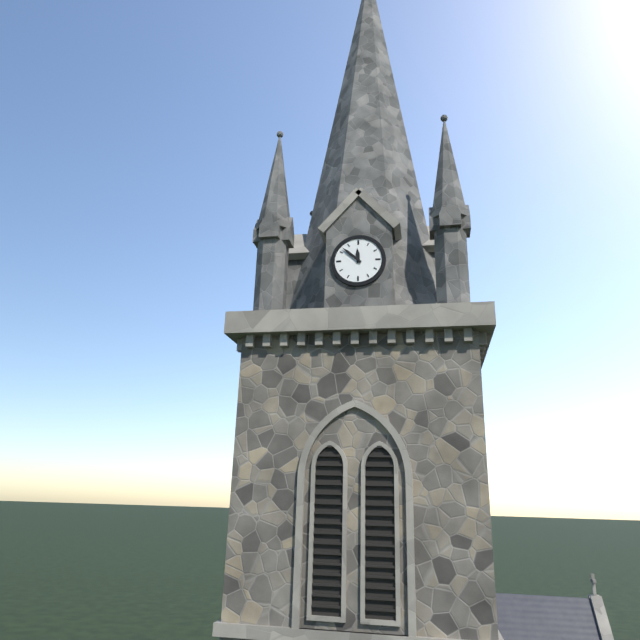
11,52
